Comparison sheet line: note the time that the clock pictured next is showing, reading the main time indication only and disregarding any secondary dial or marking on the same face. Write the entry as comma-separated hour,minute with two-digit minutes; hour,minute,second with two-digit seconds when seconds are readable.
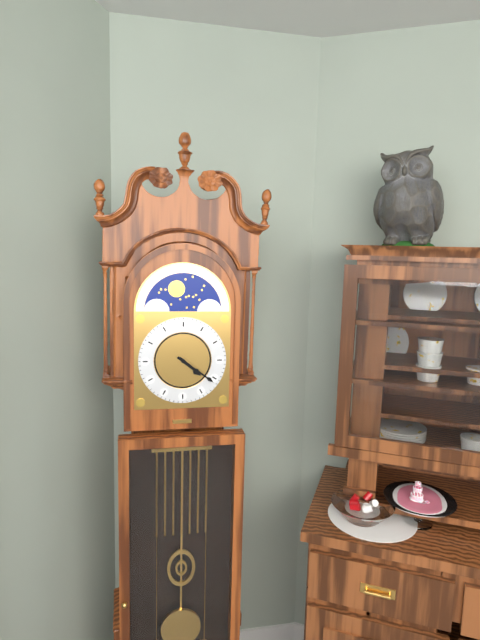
4,21
